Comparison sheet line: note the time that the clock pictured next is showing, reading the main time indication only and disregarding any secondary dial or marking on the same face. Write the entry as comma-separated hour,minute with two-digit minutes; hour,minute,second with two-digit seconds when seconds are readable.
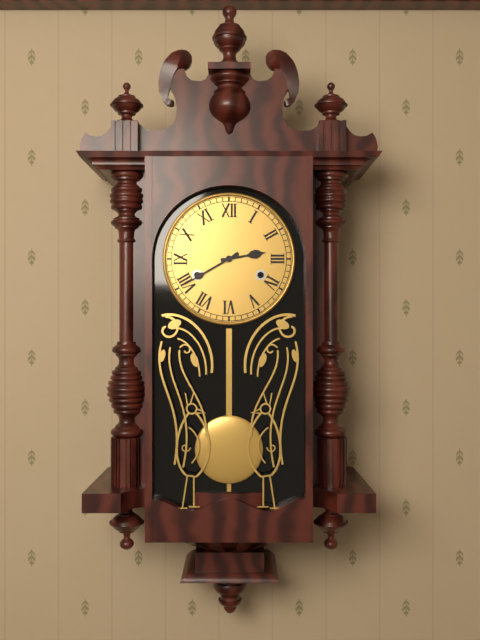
2,40
